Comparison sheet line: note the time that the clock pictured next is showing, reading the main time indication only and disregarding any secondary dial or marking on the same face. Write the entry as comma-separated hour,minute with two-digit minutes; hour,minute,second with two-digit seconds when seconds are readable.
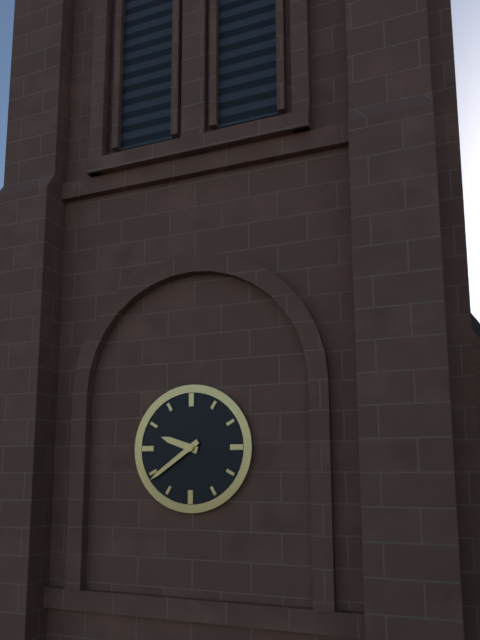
9,39
